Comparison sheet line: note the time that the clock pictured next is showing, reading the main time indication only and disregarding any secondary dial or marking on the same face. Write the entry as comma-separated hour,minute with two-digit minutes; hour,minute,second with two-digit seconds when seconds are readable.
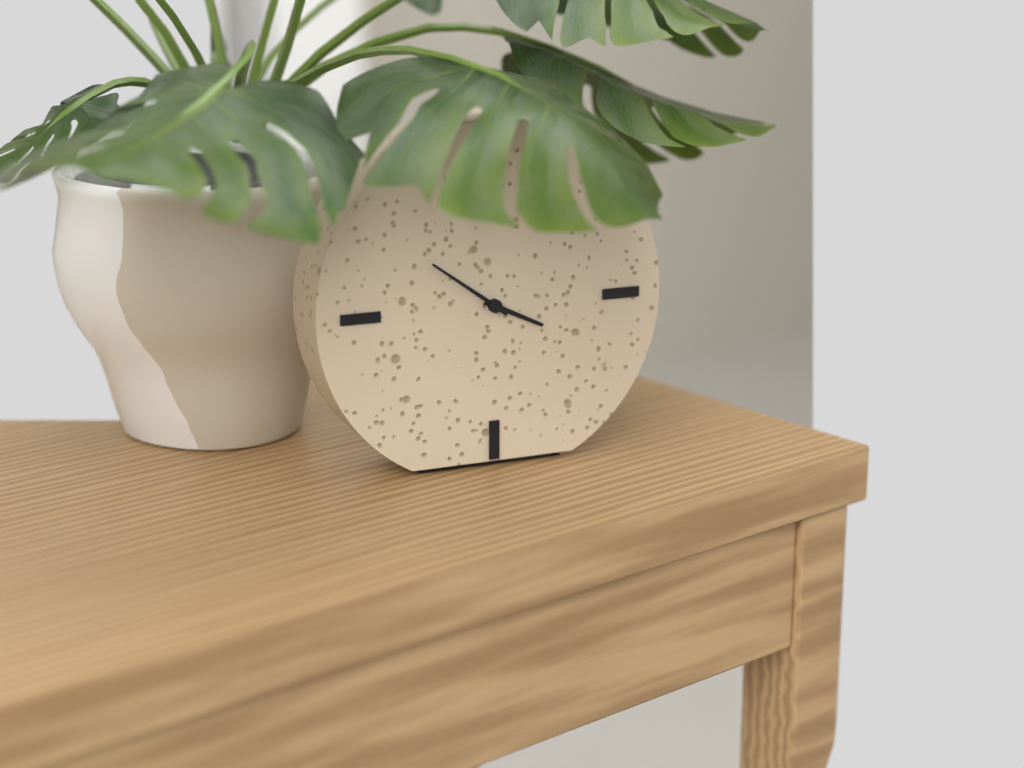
3,51
